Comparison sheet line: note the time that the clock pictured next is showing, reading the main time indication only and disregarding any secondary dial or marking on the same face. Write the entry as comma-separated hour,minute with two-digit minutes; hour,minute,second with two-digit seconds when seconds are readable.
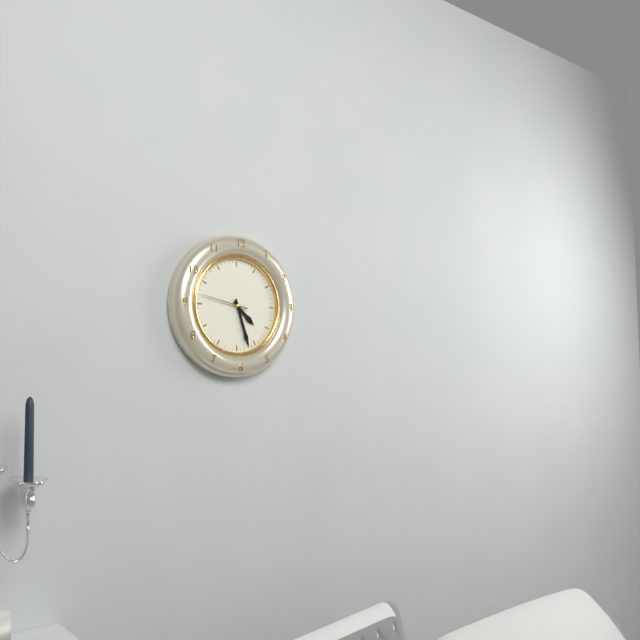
4,27
